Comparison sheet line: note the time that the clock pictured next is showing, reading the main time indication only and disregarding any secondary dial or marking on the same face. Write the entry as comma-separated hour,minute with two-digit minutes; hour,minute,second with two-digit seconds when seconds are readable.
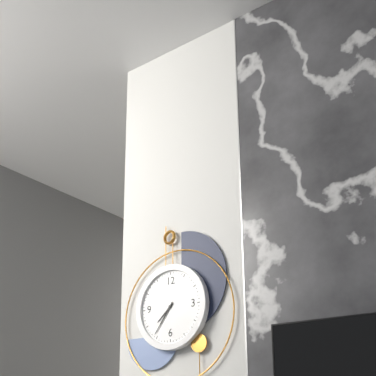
7,36
